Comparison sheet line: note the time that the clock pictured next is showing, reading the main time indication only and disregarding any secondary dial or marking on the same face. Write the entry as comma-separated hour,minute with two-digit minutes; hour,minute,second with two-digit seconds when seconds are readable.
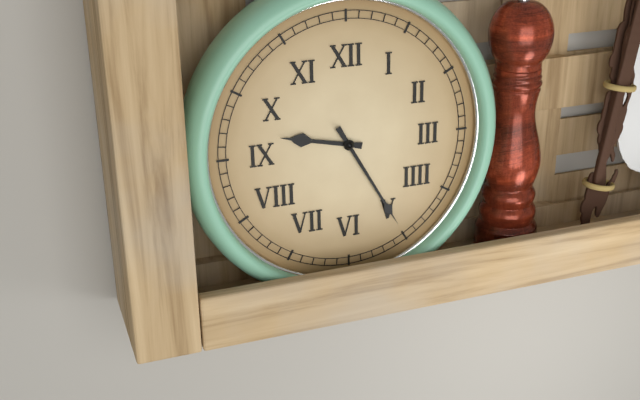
9,25
